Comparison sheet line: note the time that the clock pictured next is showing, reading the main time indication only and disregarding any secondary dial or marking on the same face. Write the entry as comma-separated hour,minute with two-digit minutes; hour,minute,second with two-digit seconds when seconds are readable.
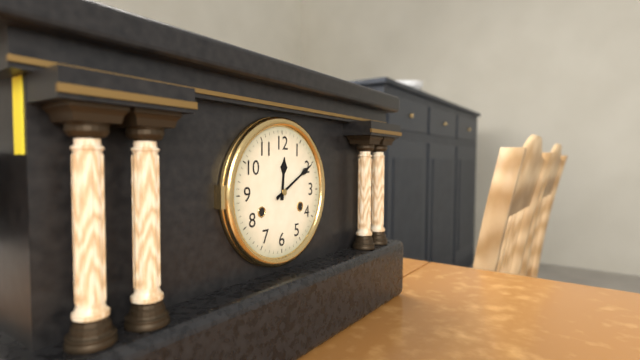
12,10
